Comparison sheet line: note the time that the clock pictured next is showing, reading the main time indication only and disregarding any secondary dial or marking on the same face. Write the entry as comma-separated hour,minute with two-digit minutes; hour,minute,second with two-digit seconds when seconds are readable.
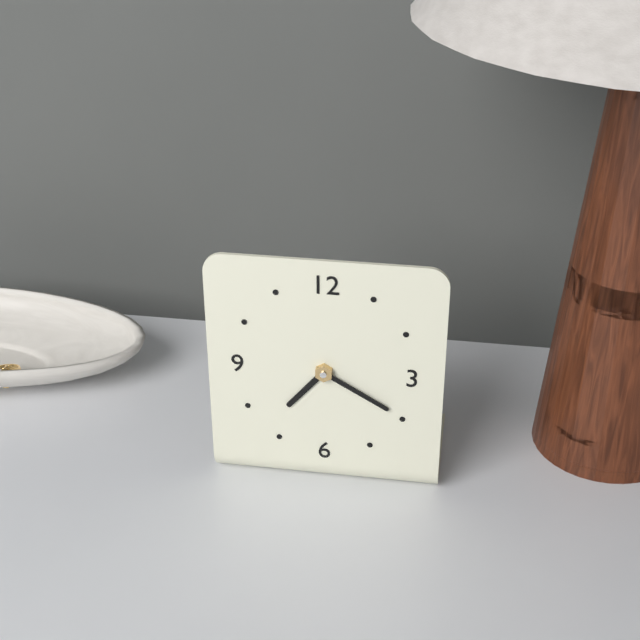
7,20
